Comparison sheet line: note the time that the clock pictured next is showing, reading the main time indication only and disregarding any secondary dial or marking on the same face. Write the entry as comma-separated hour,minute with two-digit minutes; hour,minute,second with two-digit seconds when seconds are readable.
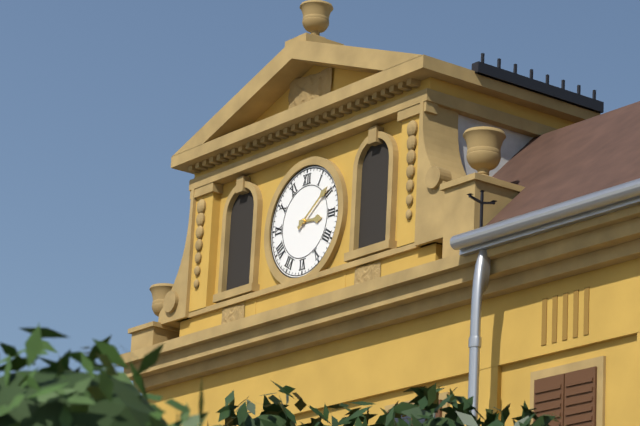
3,09
